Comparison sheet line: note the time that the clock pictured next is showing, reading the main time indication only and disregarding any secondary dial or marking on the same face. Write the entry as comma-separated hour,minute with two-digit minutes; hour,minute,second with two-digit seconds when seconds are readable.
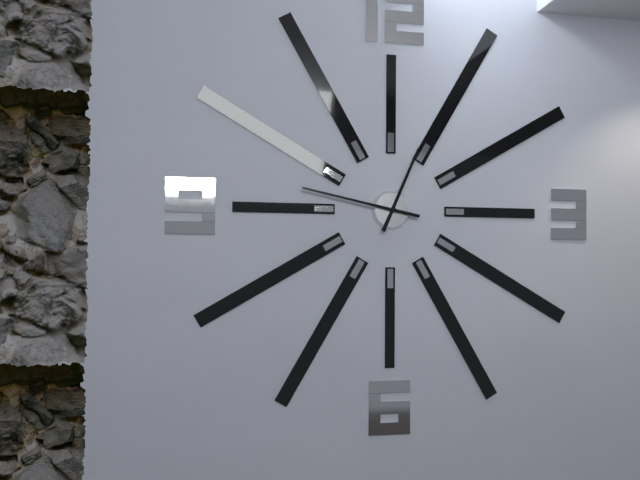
12,47
